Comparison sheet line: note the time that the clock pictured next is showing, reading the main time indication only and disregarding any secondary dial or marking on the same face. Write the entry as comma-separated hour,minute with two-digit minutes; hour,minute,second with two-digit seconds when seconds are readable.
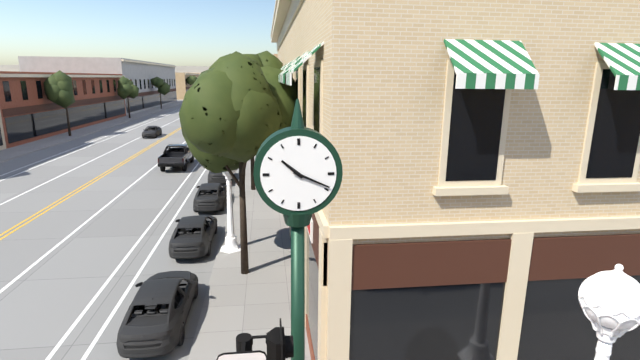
10,19
